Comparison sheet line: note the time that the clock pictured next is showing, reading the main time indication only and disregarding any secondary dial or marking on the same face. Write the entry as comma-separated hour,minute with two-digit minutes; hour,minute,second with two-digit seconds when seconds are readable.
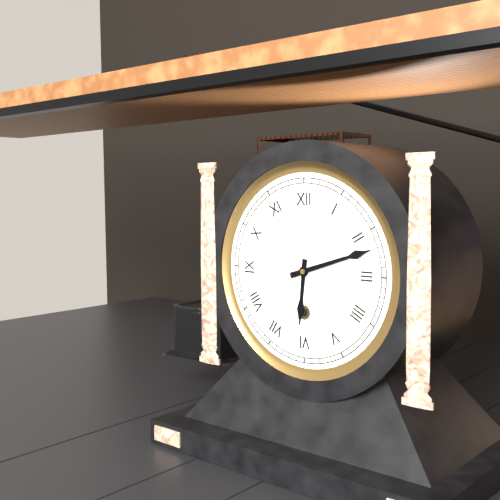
6,12
